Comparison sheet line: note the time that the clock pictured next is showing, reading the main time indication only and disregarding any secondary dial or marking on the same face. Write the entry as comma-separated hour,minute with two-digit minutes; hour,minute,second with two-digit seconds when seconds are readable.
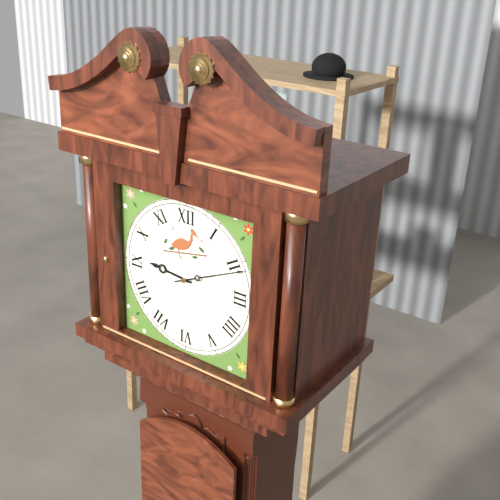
9,11
